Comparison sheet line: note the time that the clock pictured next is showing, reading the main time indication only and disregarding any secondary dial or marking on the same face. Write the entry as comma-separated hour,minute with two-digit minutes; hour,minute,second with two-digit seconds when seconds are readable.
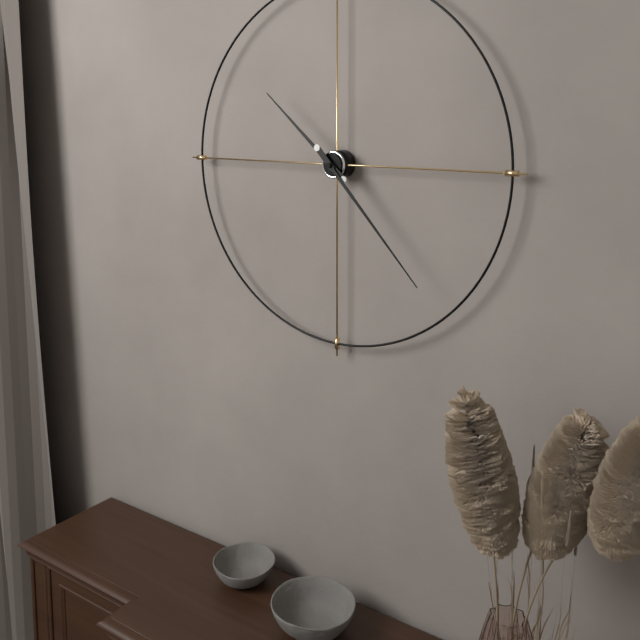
10,23
